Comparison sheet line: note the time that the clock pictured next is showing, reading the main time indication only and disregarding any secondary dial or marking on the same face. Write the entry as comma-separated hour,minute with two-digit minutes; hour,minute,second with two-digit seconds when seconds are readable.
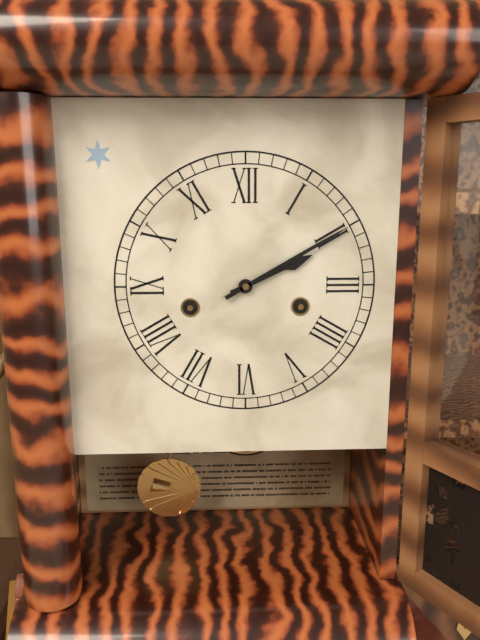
2,10
